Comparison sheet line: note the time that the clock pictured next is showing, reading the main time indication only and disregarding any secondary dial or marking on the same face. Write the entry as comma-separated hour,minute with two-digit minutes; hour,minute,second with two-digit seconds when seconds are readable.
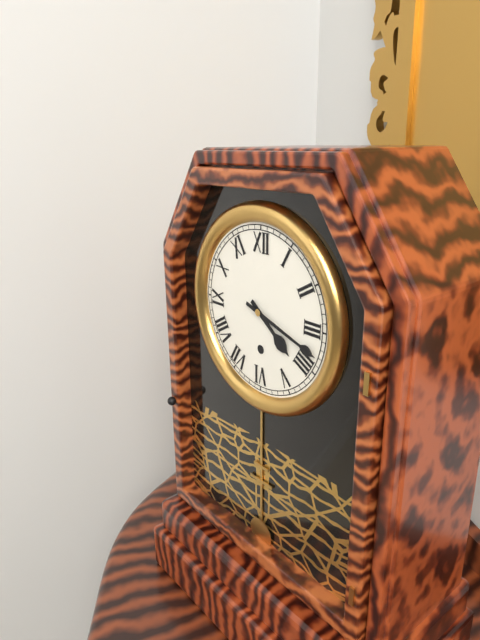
4,18
